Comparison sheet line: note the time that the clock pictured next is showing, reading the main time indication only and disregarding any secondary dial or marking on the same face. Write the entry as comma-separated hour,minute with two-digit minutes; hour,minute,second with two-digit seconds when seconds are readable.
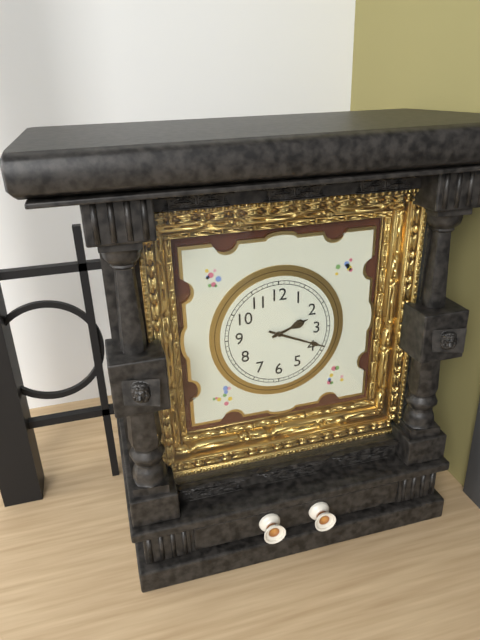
2,19
